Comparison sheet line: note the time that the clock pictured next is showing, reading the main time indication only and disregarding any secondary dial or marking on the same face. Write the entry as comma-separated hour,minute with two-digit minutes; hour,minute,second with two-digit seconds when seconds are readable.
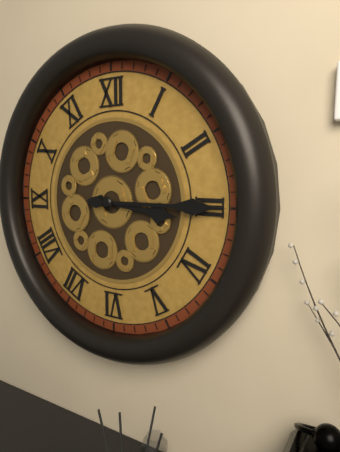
3,15
